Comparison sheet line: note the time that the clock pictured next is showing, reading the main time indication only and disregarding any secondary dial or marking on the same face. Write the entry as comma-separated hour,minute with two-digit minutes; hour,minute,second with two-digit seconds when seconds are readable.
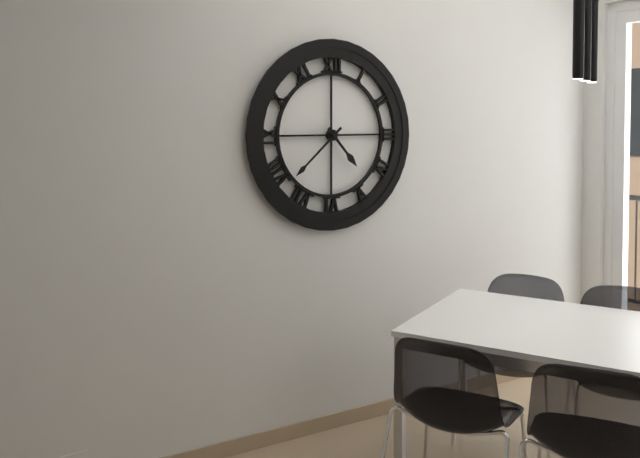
4,38
